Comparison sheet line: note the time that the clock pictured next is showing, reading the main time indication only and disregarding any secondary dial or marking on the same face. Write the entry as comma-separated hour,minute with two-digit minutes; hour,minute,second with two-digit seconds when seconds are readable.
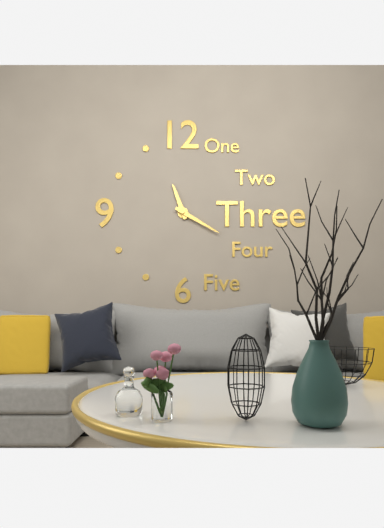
11,20
